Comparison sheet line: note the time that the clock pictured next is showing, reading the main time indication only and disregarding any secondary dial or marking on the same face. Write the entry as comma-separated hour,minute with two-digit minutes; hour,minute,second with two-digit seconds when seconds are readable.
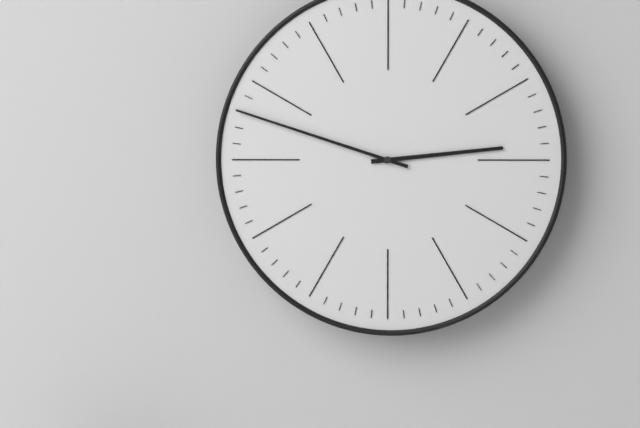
2,48
